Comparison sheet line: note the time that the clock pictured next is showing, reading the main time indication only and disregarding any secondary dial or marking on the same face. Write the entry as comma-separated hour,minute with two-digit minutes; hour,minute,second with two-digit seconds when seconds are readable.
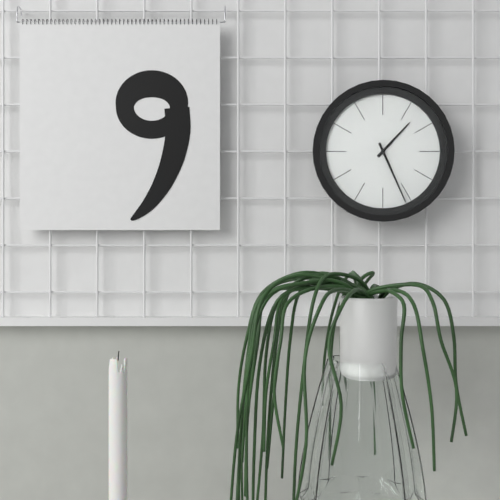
1,26
